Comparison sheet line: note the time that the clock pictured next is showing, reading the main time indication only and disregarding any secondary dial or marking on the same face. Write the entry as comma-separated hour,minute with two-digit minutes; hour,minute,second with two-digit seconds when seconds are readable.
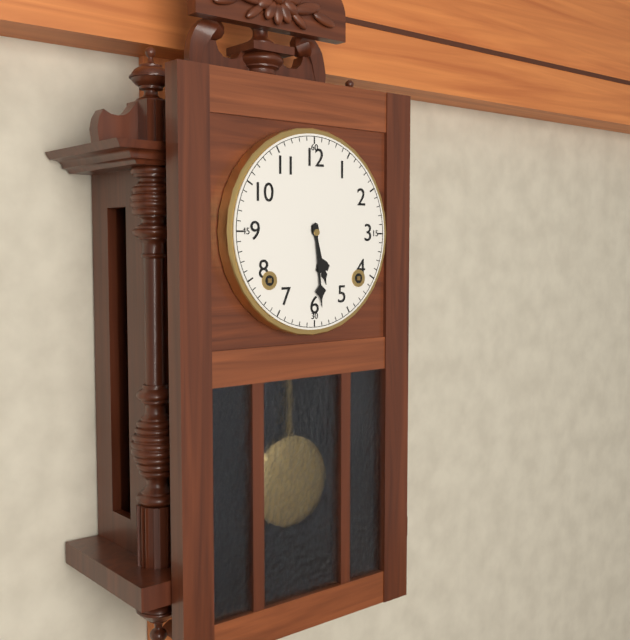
5,29
